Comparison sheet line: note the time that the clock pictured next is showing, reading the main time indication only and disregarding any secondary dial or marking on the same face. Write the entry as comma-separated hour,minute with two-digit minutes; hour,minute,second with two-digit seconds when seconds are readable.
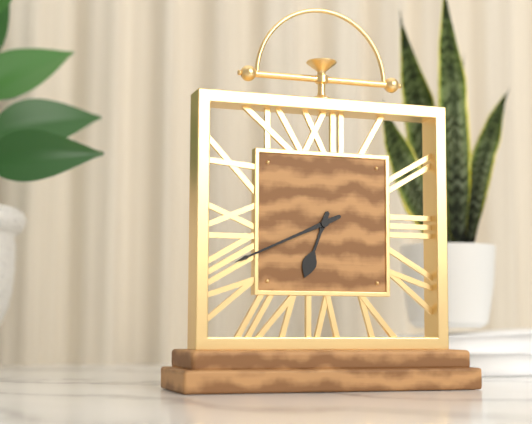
6,41
